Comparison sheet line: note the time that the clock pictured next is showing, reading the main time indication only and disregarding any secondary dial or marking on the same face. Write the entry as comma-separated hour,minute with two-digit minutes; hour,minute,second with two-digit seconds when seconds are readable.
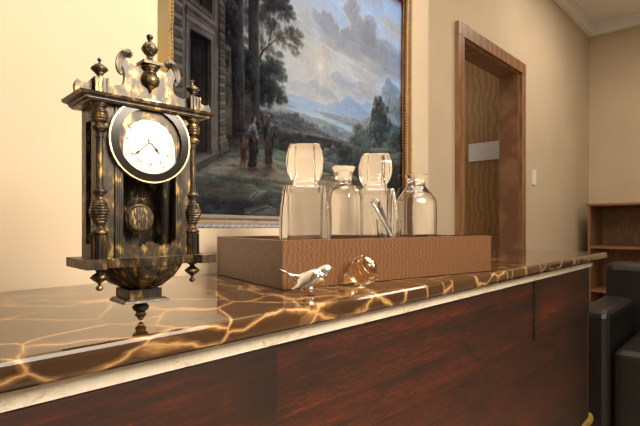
4,38
